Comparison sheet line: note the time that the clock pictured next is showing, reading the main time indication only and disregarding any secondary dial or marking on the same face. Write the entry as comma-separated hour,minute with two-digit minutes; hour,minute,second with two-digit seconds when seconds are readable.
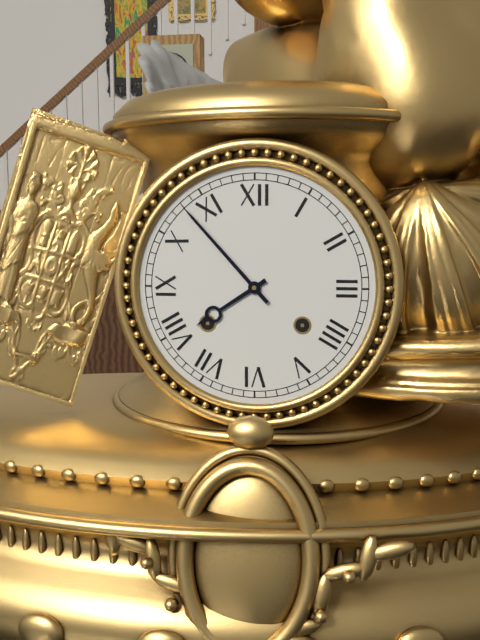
7,53
